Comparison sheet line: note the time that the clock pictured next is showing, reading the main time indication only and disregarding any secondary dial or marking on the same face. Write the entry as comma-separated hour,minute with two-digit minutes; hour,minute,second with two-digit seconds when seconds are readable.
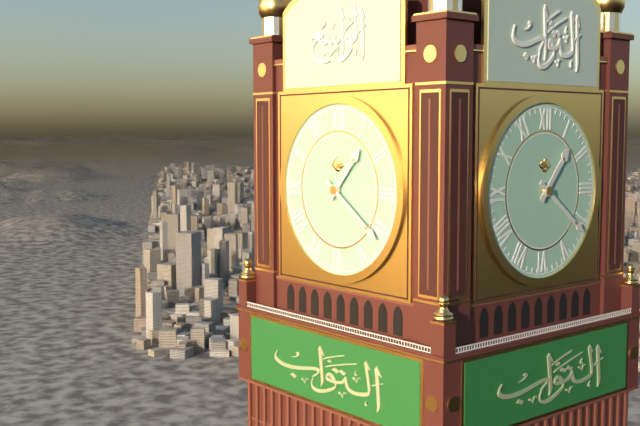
1,21
